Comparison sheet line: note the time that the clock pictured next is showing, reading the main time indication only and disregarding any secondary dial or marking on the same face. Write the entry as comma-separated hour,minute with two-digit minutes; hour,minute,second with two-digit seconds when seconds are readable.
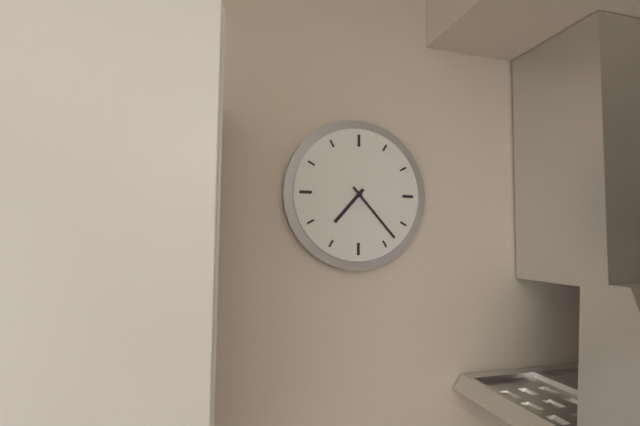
7,23
